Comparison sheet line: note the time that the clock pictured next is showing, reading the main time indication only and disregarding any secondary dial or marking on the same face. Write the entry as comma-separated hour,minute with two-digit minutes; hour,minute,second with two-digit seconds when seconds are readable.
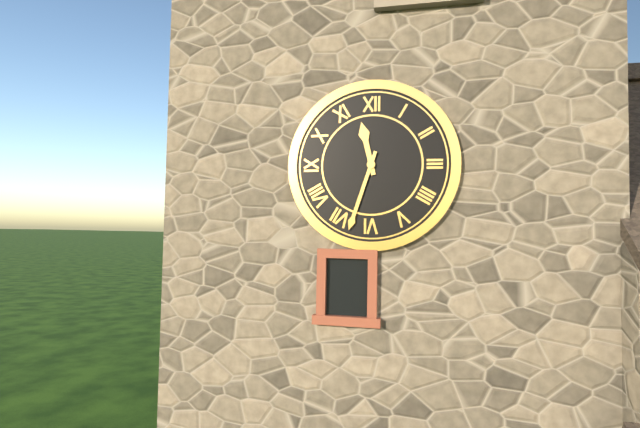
11,33
